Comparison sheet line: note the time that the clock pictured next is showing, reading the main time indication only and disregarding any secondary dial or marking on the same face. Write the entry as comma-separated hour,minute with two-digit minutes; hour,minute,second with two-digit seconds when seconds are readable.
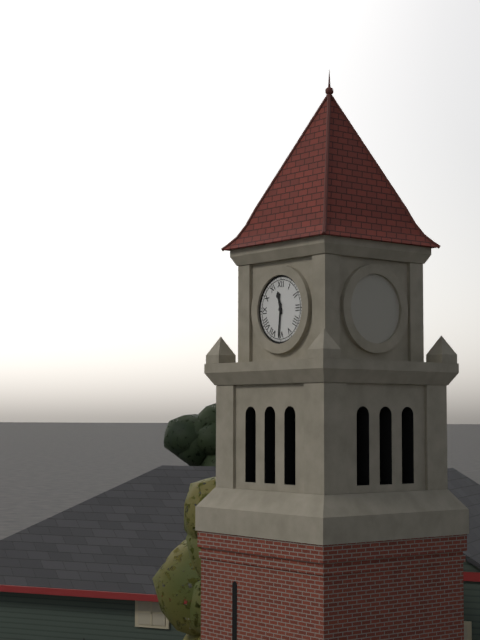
11,31
